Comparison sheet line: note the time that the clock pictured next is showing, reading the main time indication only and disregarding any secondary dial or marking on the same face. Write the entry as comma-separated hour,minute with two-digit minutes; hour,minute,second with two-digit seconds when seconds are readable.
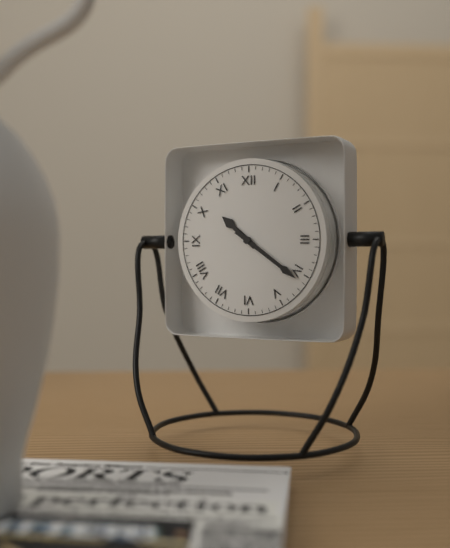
10,21
